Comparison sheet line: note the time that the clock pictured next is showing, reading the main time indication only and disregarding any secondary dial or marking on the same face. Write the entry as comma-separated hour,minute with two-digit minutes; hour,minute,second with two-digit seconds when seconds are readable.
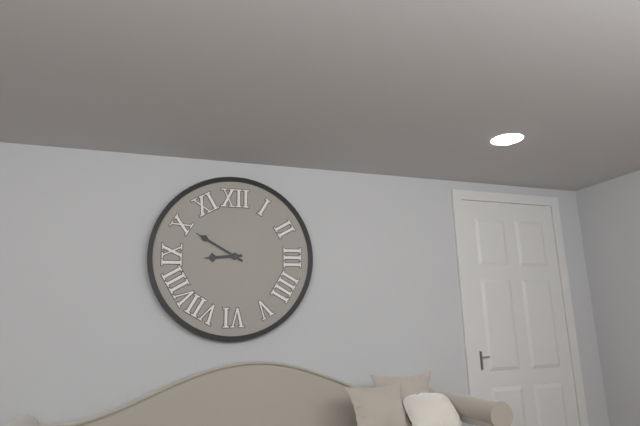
8,50
